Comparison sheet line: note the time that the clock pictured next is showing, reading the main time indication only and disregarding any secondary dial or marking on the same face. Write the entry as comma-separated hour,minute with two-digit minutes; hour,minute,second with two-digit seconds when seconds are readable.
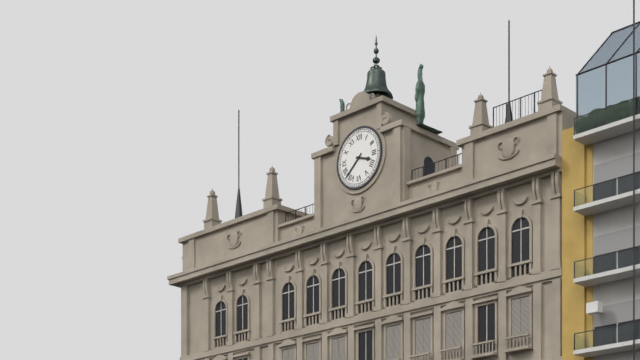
3,38
